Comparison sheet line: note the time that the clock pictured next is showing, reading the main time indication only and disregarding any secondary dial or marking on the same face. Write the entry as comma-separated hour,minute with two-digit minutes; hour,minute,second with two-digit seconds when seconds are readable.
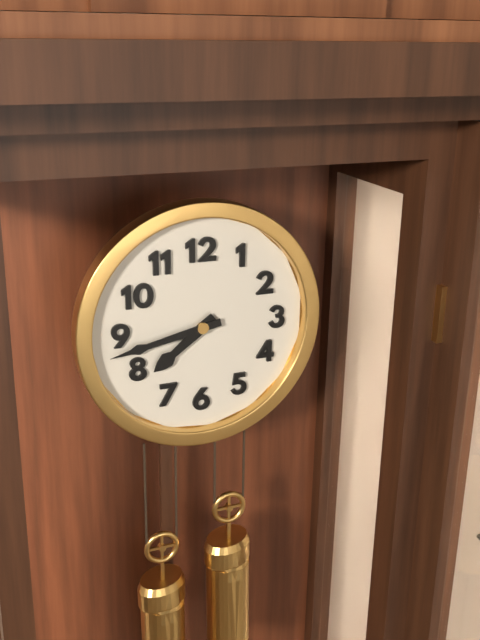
7,43
